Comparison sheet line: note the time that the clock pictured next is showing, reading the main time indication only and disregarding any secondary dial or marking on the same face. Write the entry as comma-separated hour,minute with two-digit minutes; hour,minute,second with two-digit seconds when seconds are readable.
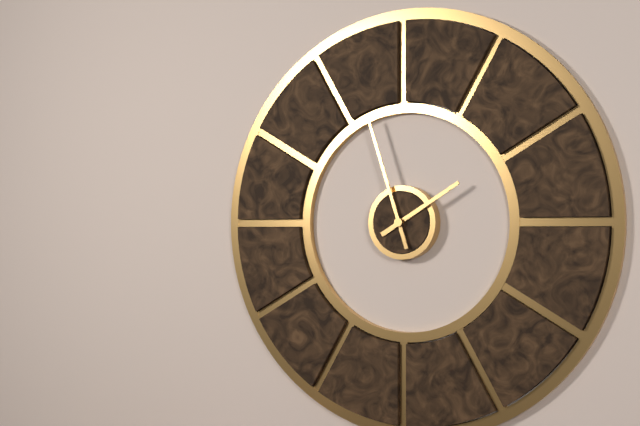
1,57
